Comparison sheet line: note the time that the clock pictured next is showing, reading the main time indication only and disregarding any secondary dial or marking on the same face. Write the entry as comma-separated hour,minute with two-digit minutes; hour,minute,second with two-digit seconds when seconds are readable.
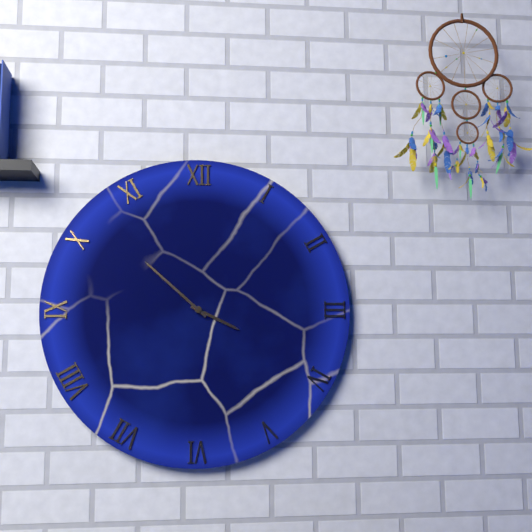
3,52
